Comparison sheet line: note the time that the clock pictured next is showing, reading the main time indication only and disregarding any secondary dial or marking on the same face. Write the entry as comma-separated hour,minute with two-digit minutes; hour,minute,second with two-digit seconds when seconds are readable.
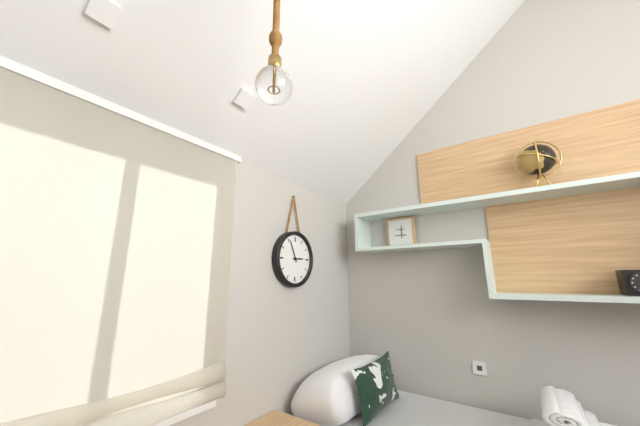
2,56
